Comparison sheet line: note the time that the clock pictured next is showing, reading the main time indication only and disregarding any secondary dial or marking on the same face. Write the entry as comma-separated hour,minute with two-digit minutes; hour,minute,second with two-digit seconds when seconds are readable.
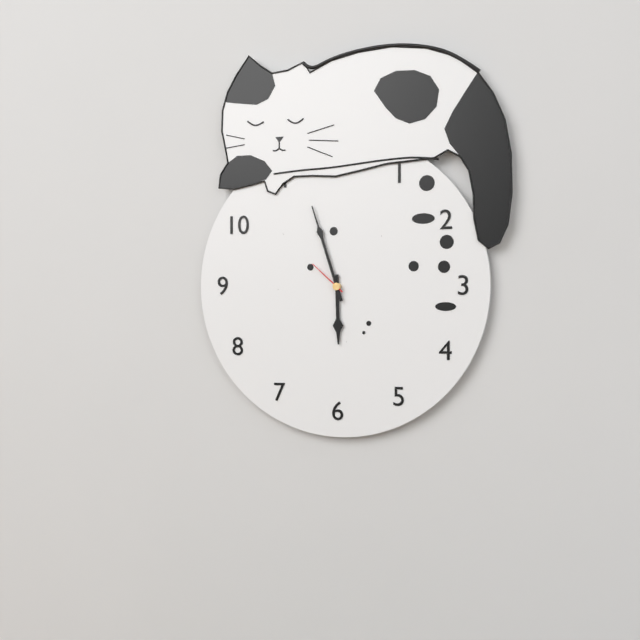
5,57
